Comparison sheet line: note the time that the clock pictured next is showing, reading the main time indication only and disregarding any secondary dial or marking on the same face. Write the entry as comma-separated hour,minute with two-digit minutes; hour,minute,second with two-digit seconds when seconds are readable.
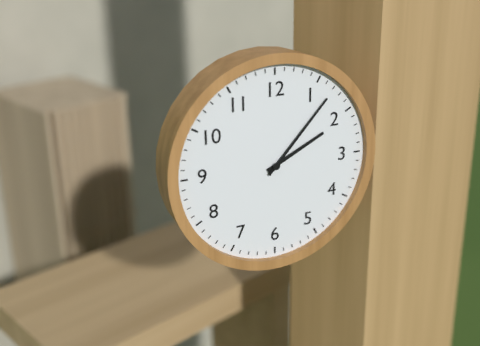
2,07
